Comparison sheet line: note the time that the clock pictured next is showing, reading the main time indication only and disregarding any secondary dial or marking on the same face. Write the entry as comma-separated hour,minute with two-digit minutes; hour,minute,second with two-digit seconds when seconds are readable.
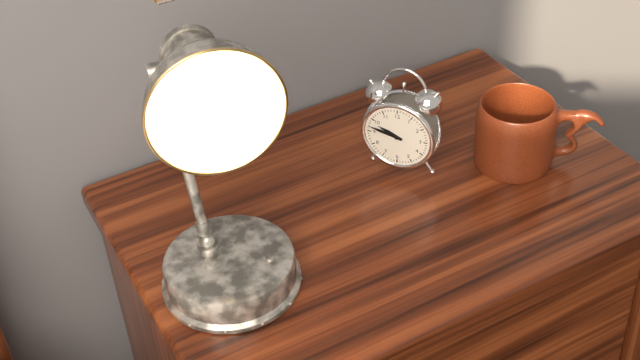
9,47
